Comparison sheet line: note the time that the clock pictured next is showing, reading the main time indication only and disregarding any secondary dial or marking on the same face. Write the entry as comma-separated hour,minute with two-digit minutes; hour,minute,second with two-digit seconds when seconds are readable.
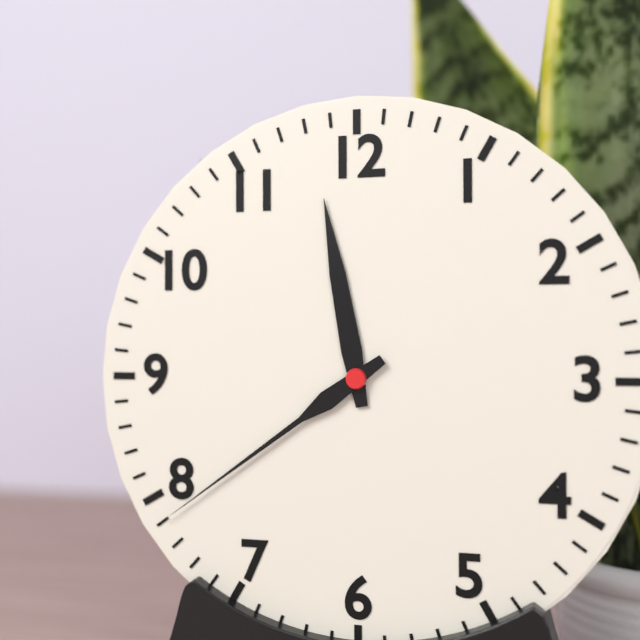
11,39
